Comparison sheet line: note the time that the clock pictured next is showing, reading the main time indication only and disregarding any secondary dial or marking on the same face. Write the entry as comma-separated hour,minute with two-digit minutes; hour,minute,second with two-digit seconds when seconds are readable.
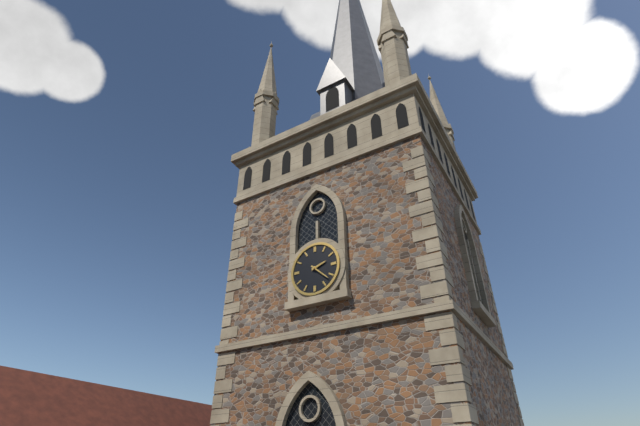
2,22
